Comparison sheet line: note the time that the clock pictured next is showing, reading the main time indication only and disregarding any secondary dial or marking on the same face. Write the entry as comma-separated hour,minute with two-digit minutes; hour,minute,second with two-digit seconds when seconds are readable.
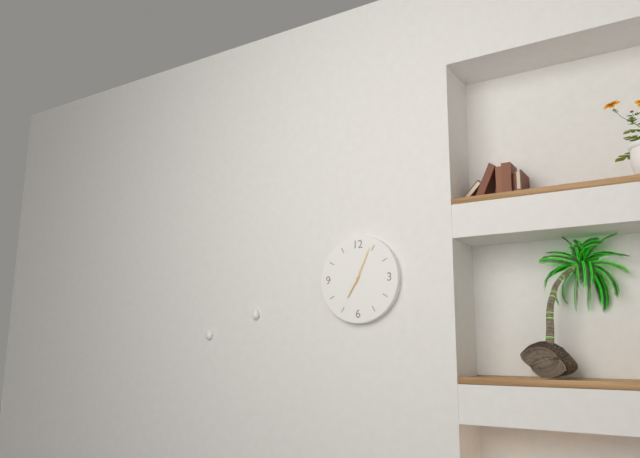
7,04
